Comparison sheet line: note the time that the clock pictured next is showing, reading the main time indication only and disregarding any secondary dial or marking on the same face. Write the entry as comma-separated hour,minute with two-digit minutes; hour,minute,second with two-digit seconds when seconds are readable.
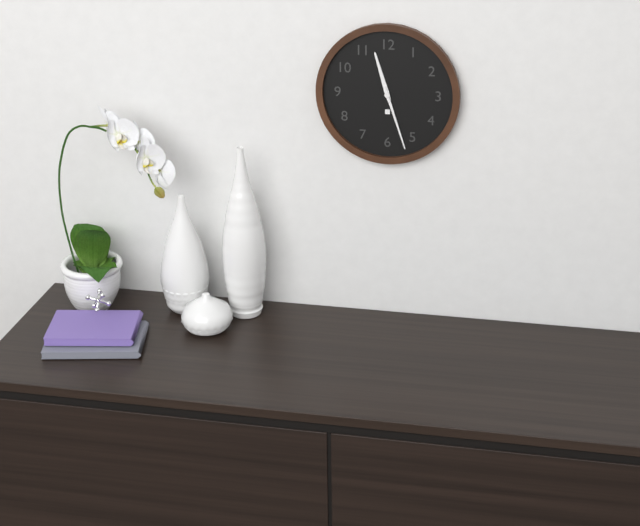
11,27
